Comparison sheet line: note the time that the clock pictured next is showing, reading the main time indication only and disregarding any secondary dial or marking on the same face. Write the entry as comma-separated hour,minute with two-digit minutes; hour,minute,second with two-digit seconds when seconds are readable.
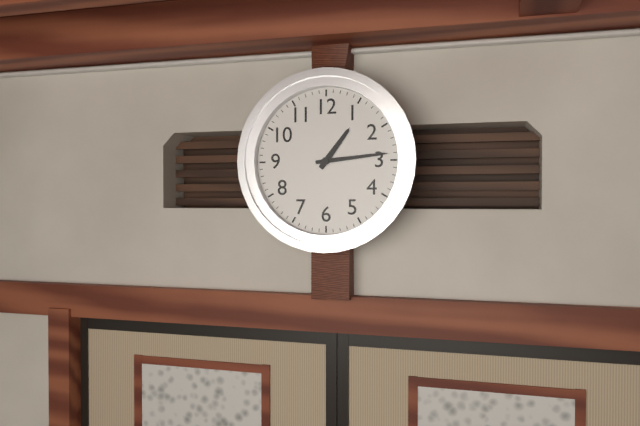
1,14
